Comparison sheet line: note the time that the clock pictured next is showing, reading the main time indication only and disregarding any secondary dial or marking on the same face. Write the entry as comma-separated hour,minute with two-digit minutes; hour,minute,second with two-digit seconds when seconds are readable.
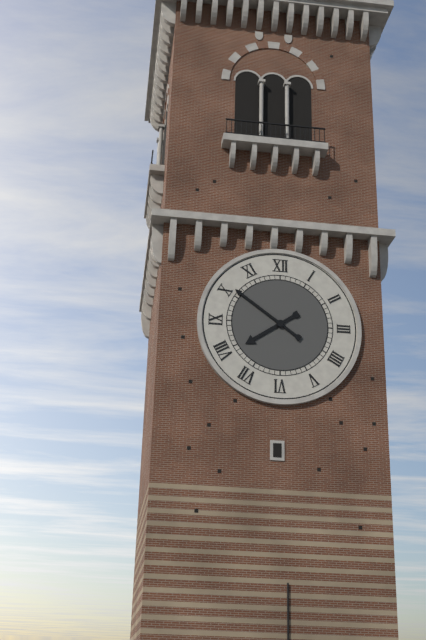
7,51
